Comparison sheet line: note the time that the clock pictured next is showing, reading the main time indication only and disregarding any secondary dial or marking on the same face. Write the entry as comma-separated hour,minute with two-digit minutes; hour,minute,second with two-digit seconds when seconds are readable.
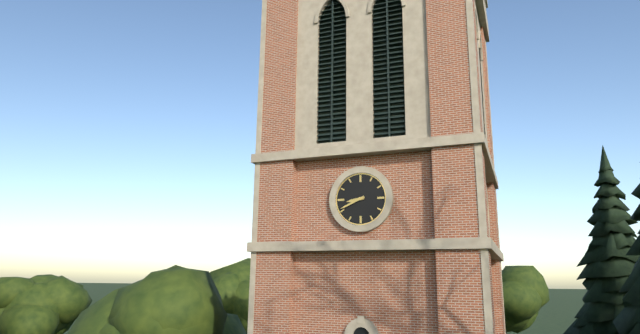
8,41
